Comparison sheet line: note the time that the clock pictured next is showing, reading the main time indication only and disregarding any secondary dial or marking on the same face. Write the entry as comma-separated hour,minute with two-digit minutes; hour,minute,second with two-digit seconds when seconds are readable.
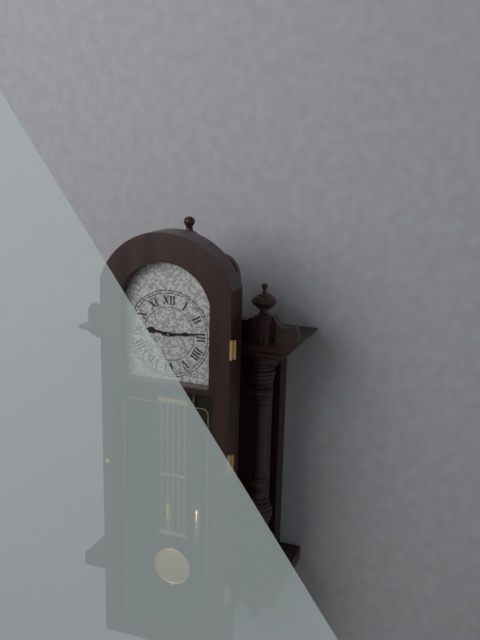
9,14
